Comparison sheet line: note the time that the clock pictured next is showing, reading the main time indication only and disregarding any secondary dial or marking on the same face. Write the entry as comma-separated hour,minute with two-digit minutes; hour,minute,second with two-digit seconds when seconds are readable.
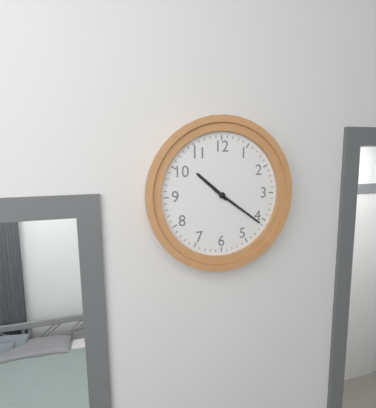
10,21
